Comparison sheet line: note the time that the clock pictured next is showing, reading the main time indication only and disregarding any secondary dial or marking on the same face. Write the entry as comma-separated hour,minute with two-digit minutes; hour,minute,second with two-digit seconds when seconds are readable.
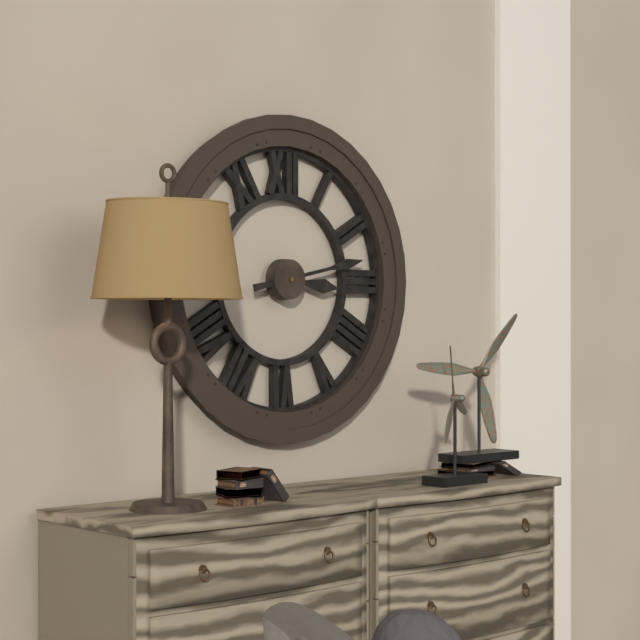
3,13
